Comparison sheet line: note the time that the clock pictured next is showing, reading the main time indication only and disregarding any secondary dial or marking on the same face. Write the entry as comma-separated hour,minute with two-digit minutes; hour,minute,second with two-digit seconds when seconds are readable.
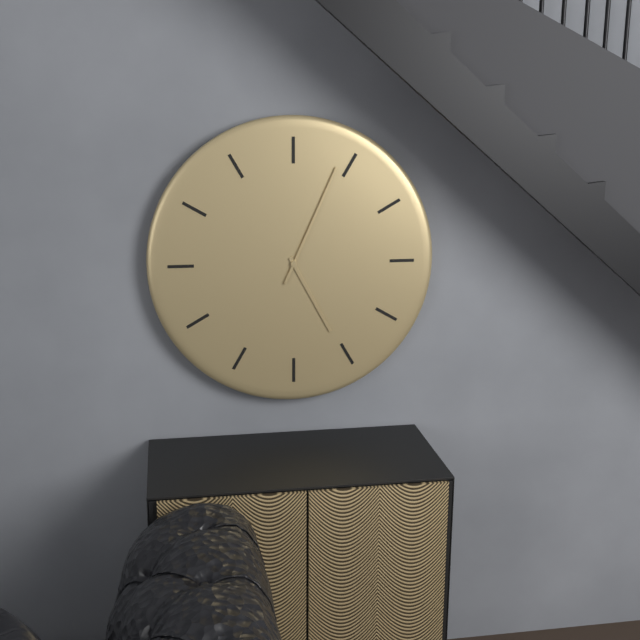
5,04
